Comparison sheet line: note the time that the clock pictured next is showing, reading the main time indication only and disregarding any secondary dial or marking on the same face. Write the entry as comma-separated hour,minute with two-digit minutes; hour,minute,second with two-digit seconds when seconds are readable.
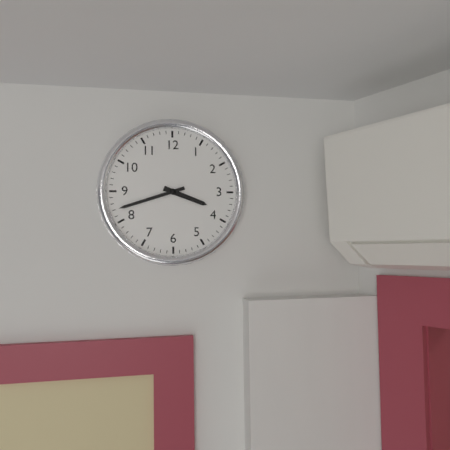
3,42
